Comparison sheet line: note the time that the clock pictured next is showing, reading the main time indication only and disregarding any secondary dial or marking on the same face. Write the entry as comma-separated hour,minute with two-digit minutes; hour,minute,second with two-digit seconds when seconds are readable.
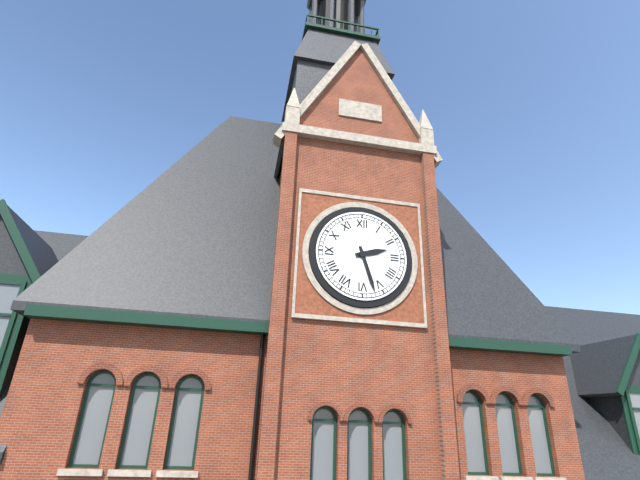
2,27
